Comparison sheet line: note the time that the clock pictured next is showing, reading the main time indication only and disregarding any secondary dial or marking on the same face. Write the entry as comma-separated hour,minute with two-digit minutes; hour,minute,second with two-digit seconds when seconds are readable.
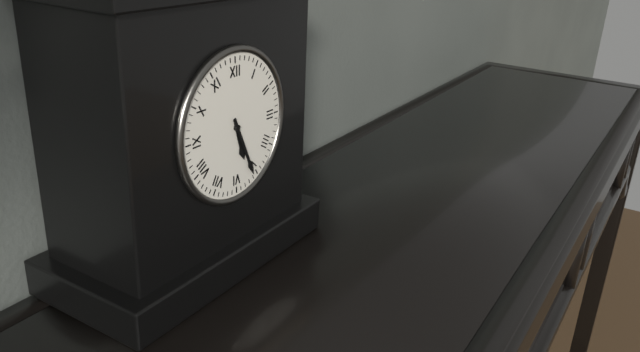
5,26
